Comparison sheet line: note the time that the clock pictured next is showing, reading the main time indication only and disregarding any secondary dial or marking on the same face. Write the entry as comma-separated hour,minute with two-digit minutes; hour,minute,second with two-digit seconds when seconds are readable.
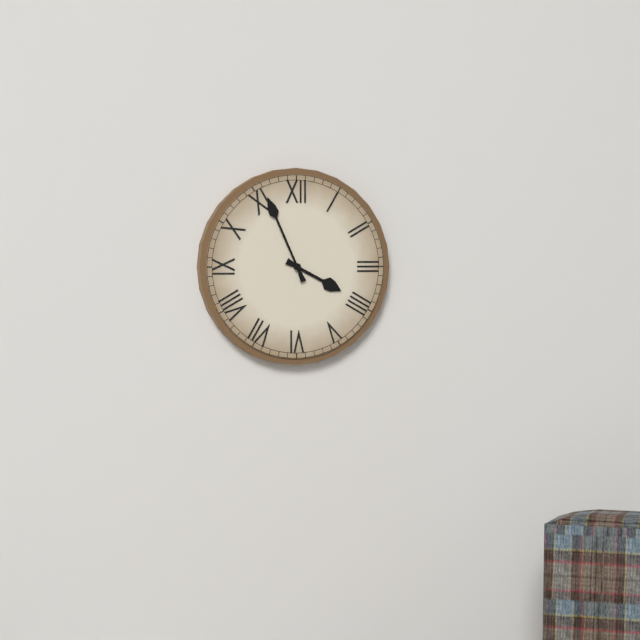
3,56
